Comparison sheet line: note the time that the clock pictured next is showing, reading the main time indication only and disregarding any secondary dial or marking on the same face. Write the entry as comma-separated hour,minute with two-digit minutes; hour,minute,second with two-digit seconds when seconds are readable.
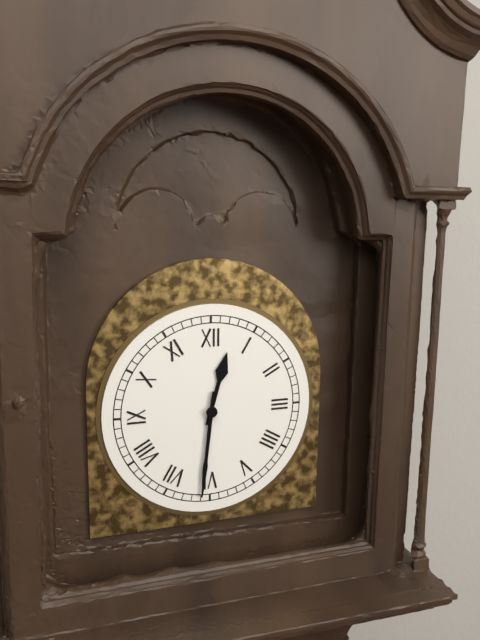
12,31
